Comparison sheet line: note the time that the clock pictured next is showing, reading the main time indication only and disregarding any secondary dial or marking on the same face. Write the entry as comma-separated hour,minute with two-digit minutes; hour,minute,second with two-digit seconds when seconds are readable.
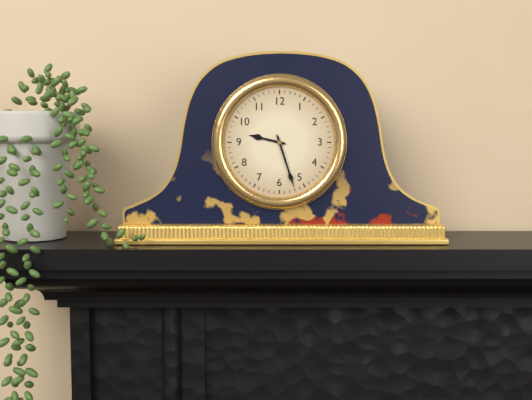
9,27
